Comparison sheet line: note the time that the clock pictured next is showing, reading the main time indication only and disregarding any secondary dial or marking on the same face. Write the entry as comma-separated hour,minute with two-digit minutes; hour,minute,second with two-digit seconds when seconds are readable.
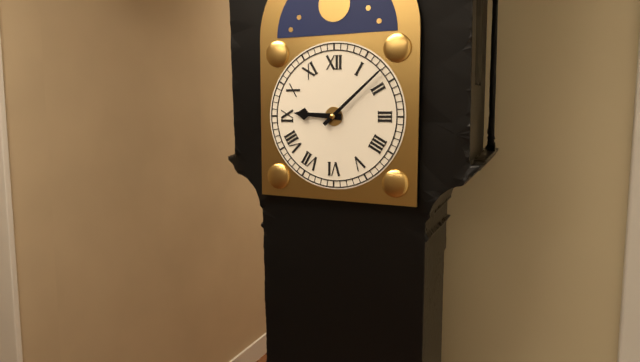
9,08
